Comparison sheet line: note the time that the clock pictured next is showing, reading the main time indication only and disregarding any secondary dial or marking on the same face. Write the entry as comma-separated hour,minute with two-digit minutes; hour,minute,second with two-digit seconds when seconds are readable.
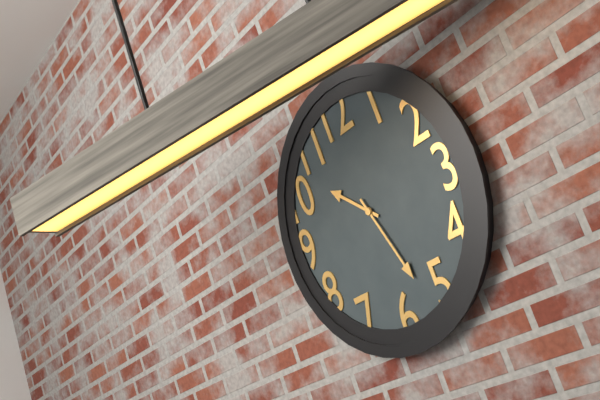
10,27
